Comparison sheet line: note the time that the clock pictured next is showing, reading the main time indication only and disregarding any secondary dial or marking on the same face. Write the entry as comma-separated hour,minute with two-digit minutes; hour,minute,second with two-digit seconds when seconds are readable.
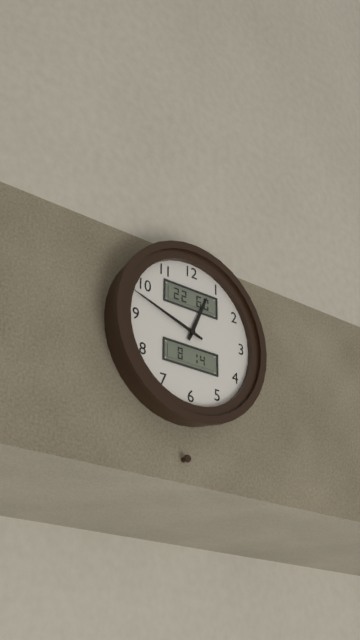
12,48
